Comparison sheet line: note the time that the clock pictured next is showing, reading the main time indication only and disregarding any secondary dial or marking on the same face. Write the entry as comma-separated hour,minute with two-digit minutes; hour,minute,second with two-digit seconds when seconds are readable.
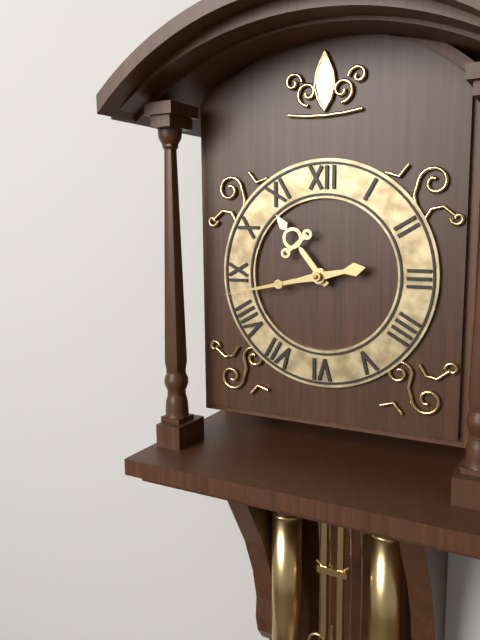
10,43
